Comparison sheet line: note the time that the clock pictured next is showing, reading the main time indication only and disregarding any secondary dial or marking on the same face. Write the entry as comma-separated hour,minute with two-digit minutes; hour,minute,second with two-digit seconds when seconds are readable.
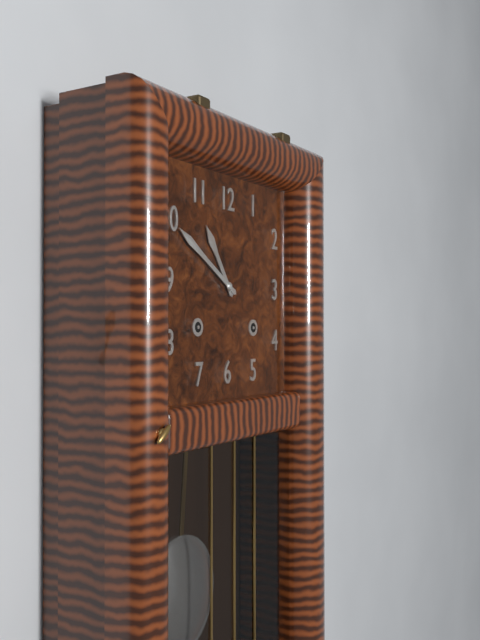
10,50
